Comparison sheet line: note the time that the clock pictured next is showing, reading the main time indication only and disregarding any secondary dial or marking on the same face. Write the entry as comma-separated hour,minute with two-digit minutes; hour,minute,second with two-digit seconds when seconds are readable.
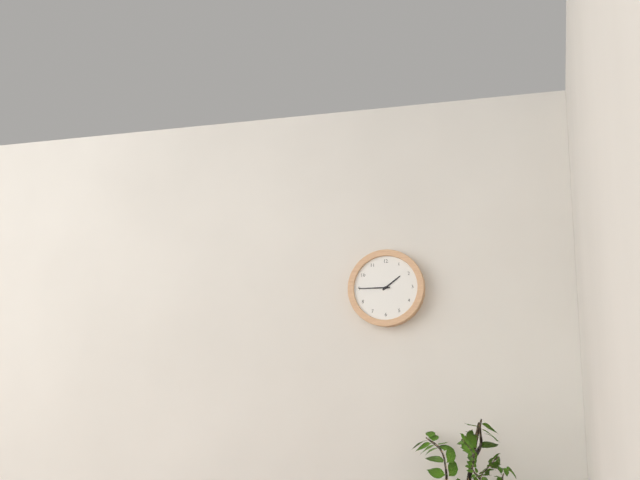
1,45
